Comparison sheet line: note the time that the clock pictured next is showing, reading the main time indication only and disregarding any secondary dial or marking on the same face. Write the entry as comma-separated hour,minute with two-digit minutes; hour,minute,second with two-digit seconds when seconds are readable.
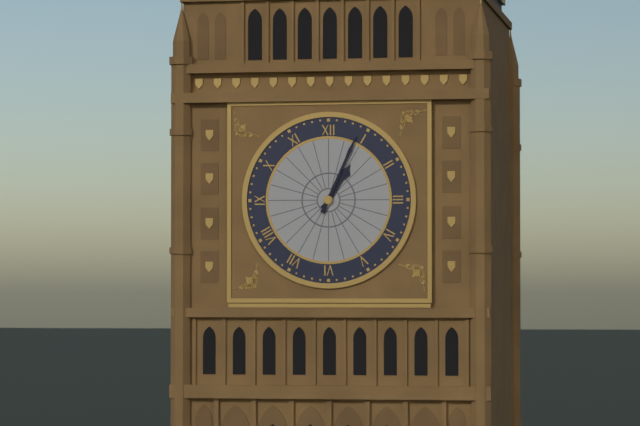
1,04
